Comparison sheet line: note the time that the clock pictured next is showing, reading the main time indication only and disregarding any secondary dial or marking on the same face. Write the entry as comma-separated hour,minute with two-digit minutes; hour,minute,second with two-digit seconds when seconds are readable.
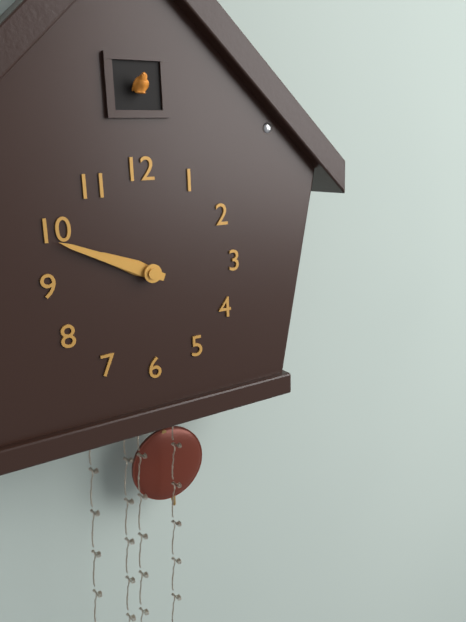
9,49
